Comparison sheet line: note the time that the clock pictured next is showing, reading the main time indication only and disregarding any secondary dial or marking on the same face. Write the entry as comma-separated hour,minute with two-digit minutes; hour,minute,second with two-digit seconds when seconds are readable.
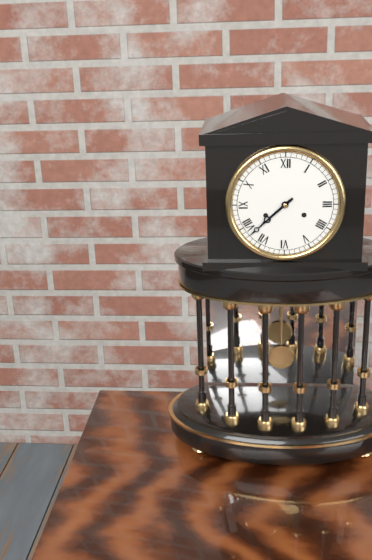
7,38
